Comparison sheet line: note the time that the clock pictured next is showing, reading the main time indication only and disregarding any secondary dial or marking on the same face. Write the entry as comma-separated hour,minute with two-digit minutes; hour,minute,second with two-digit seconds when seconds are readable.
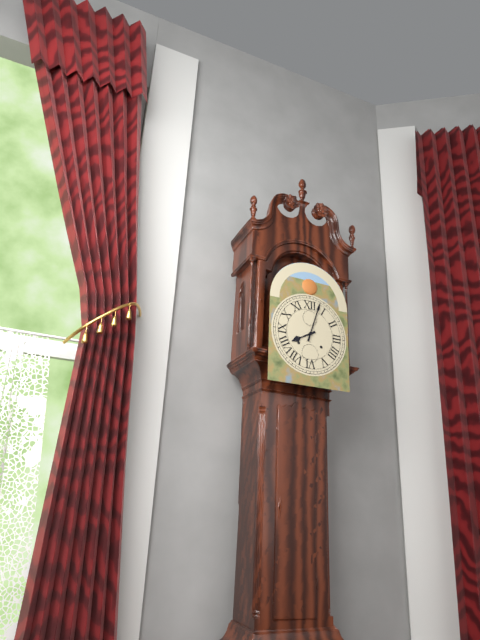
8,03
